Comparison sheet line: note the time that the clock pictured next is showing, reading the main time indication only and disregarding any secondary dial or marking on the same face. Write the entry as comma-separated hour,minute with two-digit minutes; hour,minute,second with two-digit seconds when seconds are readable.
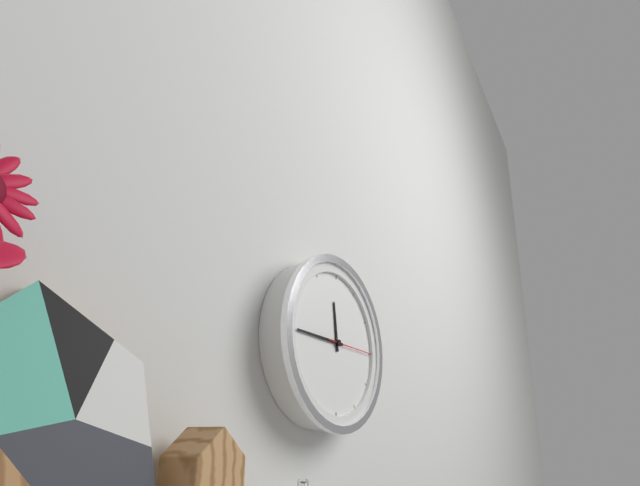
11,45
